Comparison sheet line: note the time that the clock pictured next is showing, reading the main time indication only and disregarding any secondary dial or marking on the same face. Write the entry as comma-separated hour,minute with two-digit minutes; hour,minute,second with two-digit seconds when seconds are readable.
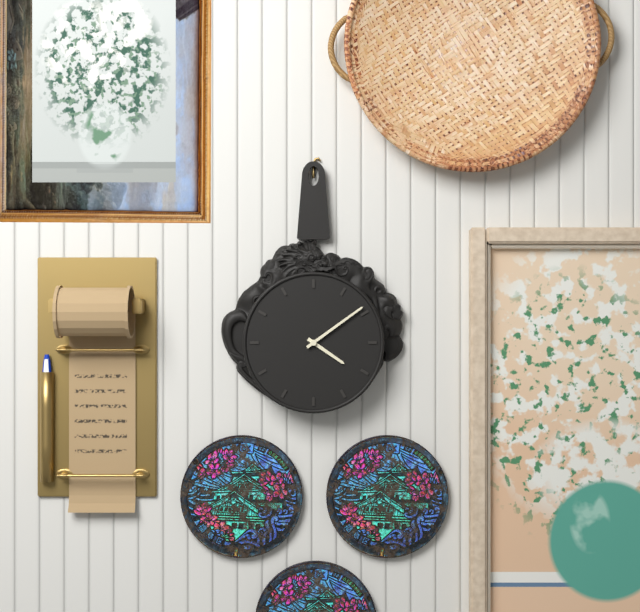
4,09
